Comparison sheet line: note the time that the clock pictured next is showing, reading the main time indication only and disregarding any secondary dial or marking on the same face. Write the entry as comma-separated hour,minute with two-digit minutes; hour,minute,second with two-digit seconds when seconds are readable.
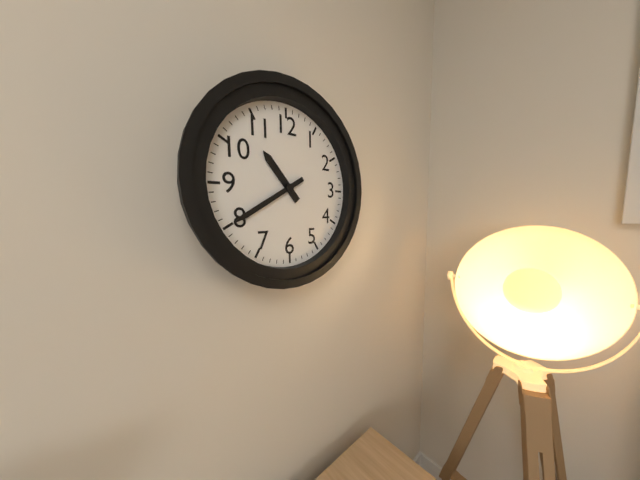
10,40
